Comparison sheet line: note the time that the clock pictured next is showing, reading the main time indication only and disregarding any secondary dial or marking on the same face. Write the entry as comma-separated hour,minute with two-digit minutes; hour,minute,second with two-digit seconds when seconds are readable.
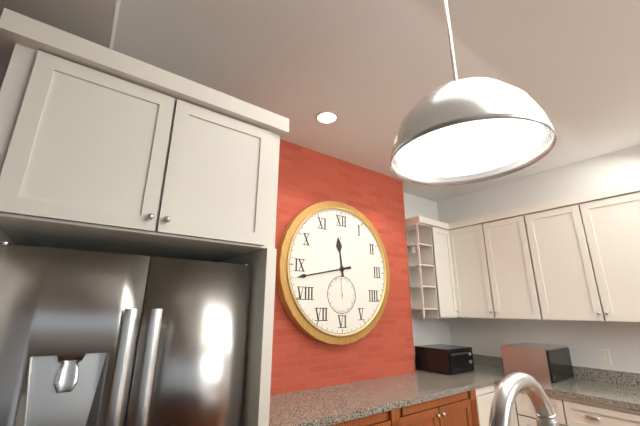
11,43
